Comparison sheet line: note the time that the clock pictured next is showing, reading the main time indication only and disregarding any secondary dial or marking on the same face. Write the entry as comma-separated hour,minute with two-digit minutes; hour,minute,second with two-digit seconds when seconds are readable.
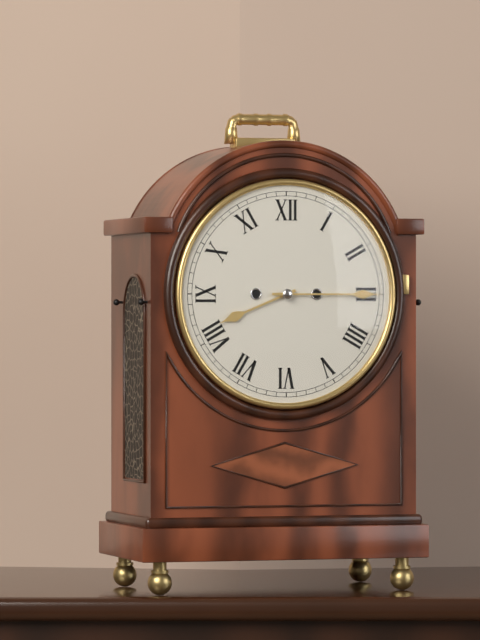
8,15
